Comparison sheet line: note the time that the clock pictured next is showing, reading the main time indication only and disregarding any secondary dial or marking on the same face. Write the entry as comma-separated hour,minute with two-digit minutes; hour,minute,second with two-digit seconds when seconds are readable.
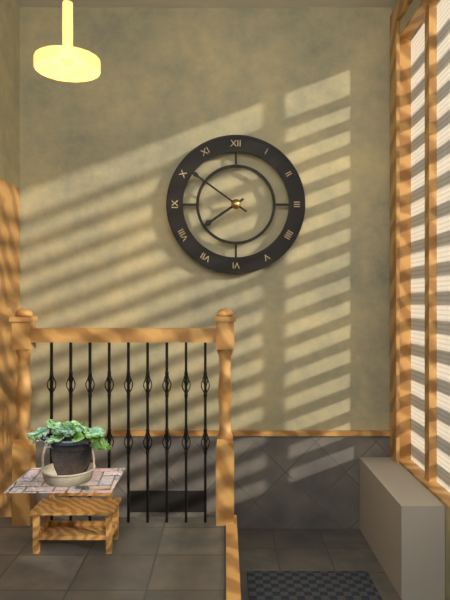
7,51
